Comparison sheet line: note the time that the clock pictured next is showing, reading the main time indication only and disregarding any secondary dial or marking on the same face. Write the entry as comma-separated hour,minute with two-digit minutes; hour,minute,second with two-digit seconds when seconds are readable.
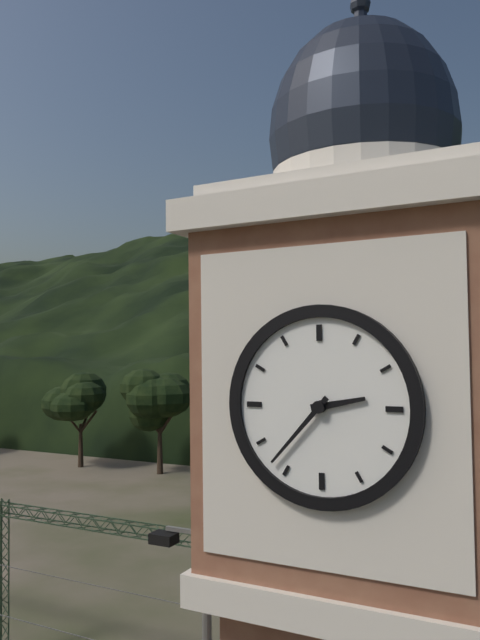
2,37
